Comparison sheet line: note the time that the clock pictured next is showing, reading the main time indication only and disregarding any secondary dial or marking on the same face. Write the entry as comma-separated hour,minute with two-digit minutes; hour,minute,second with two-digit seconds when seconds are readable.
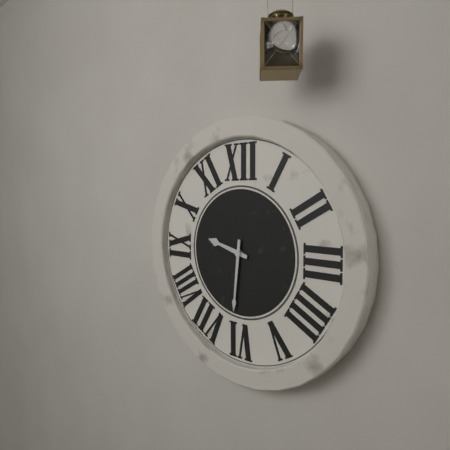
9,31
